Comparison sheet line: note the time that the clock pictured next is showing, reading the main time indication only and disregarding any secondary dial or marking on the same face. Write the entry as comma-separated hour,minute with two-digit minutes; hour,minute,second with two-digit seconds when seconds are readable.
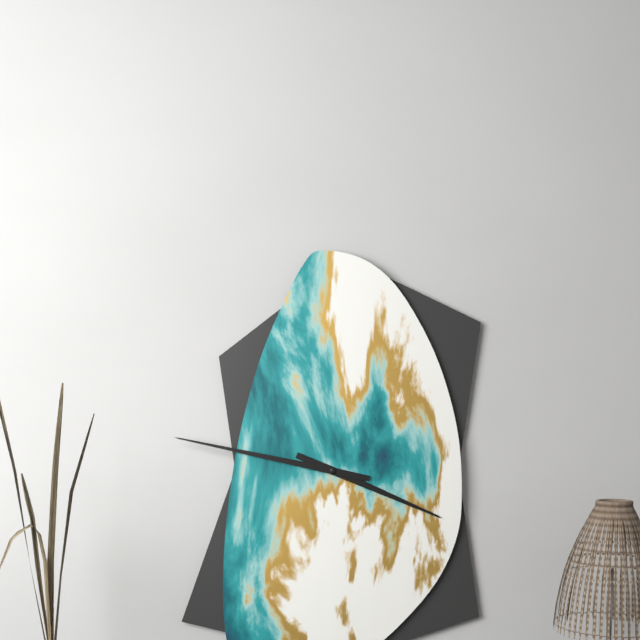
3,47
